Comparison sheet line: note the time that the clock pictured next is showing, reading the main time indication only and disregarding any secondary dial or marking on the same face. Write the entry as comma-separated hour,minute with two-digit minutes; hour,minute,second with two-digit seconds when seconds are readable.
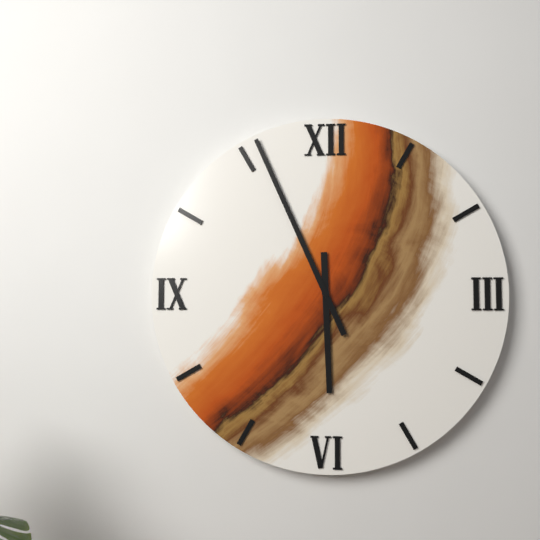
5,56
